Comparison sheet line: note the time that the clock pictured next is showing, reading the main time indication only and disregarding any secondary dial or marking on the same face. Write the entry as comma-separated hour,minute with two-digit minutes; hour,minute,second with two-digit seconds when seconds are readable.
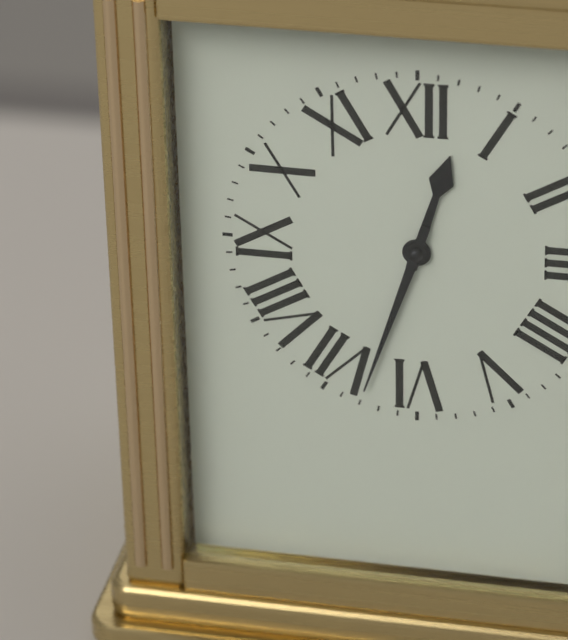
12,33
